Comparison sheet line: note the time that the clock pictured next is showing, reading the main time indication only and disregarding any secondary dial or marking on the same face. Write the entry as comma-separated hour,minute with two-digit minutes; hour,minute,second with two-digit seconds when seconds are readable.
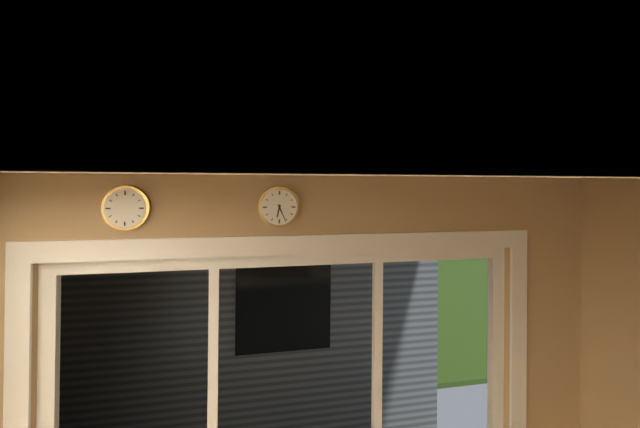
6,26
